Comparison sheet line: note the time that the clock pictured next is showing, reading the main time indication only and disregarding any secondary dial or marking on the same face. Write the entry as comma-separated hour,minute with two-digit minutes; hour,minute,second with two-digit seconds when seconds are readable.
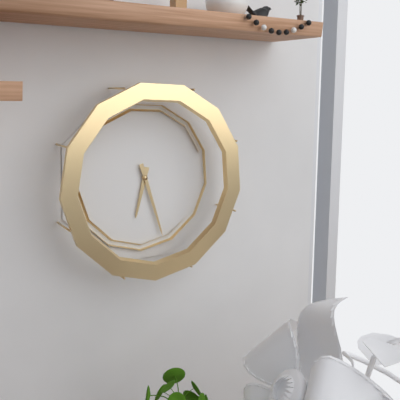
6,27
